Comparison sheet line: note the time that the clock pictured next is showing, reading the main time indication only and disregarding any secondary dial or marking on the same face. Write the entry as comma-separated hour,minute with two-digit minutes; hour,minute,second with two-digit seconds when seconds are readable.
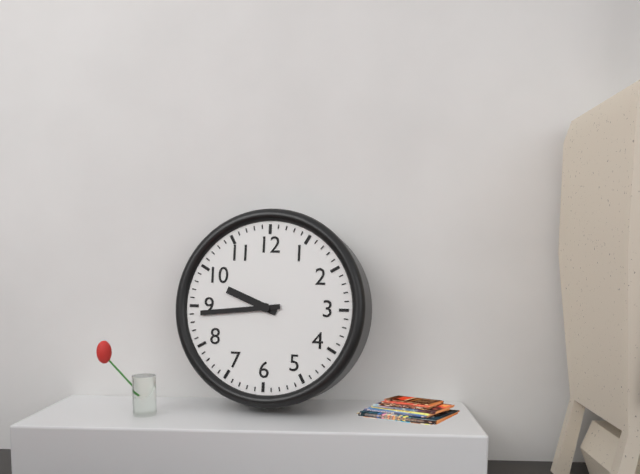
9,44
